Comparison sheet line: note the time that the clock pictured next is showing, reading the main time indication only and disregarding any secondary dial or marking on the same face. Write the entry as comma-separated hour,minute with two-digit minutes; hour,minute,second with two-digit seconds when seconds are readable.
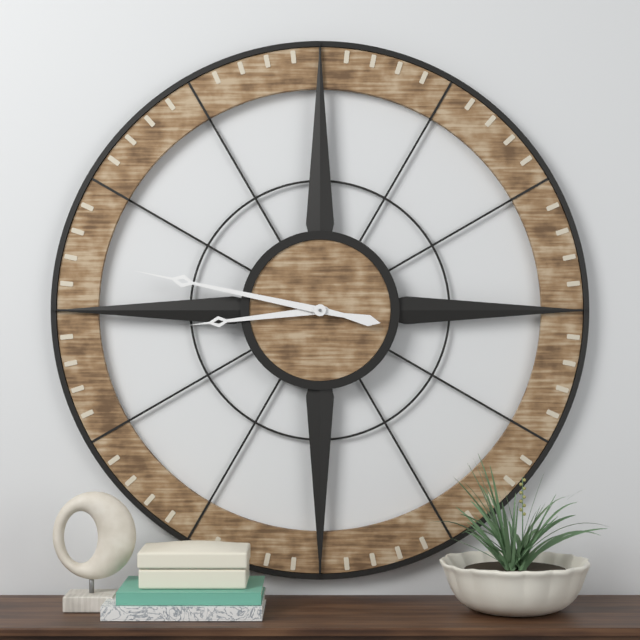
8,47
